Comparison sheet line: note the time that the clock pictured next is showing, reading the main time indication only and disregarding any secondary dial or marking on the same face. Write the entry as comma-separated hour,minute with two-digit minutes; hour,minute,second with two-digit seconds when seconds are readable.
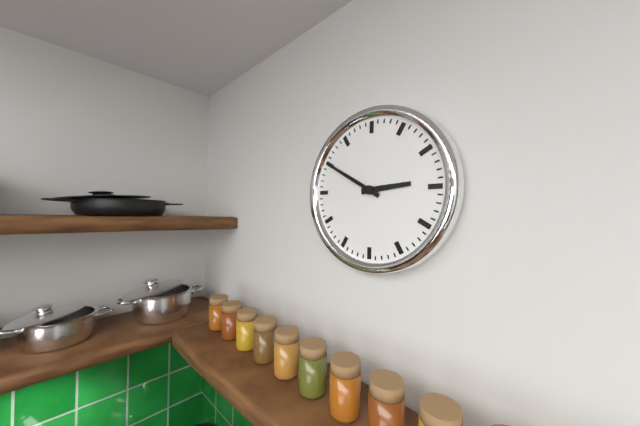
2,50
